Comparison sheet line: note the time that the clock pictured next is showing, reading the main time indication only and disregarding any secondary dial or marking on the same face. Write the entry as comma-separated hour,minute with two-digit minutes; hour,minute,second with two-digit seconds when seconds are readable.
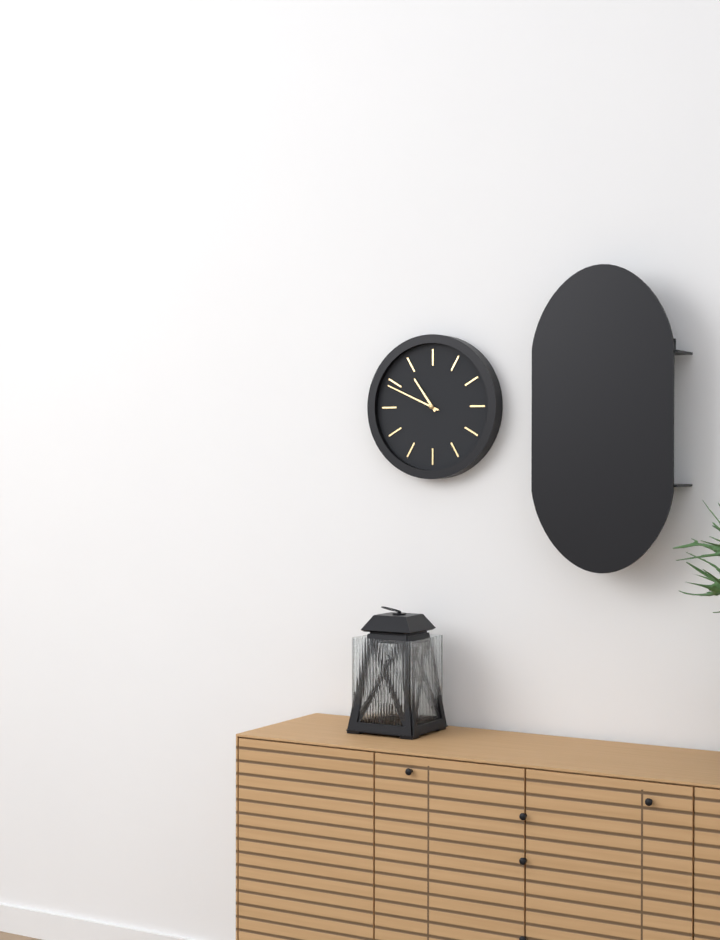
10,49
